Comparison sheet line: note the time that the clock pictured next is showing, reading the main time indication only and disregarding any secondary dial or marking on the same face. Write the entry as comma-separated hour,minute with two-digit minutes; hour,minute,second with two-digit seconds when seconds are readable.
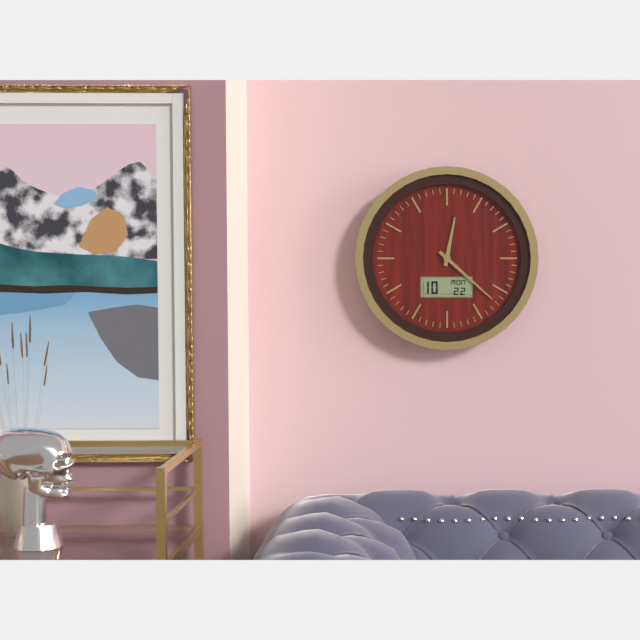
12,22
